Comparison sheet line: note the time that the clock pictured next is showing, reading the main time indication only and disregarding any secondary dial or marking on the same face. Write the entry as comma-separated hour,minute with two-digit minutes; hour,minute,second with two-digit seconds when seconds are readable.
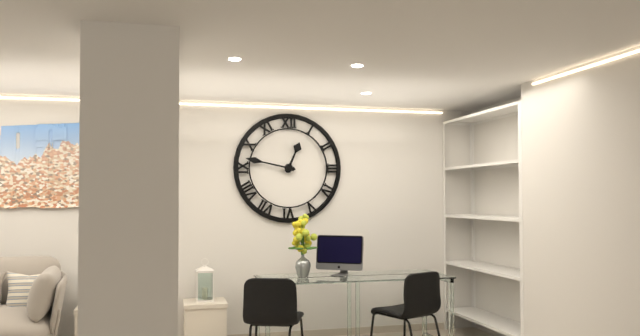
12,47
